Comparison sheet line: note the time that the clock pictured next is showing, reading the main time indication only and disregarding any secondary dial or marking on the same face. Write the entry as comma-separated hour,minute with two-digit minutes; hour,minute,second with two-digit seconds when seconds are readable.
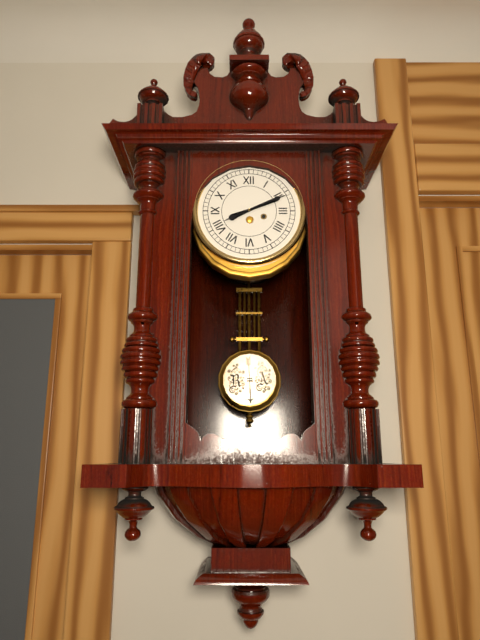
8,11
